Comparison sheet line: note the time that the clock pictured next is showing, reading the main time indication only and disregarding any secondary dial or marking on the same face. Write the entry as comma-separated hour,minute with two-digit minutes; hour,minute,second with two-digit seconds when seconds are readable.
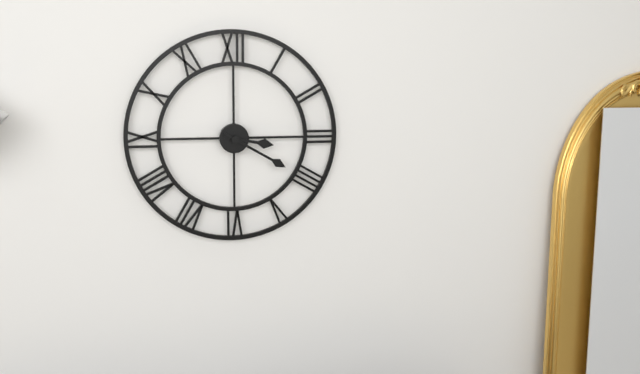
3,20
